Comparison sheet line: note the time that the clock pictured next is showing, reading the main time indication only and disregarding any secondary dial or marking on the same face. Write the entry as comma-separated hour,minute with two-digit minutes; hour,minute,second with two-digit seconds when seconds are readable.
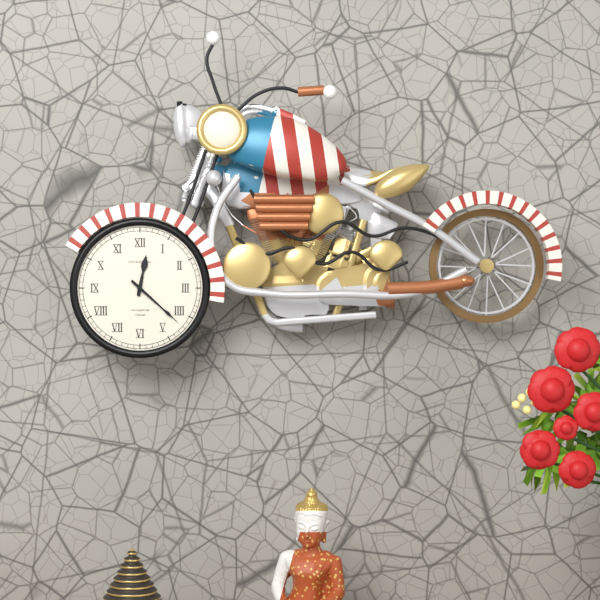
12,22
